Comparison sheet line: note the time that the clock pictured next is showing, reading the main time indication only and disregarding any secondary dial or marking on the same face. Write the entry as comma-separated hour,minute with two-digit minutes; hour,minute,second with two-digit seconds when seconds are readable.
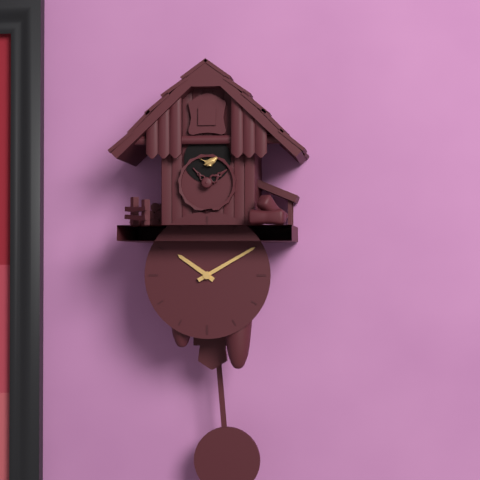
10,10
